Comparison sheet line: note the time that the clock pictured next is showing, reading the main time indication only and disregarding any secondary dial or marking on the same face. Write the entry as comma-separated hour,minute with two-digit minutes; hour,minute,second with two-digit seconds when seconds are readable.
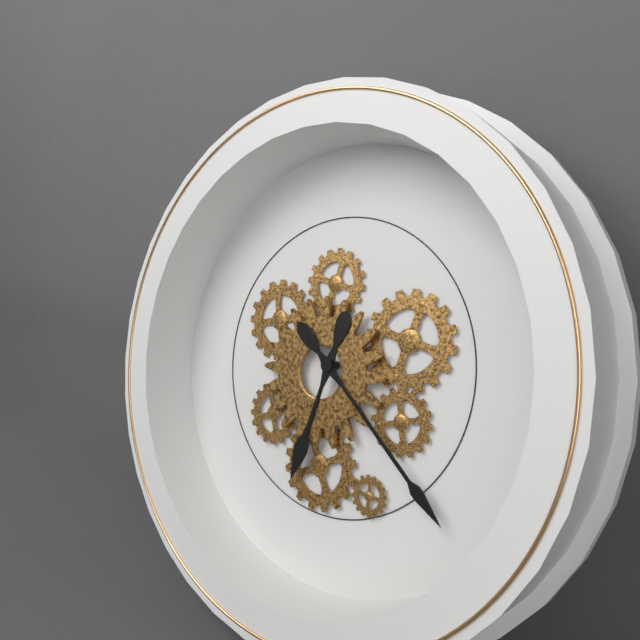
6,21
